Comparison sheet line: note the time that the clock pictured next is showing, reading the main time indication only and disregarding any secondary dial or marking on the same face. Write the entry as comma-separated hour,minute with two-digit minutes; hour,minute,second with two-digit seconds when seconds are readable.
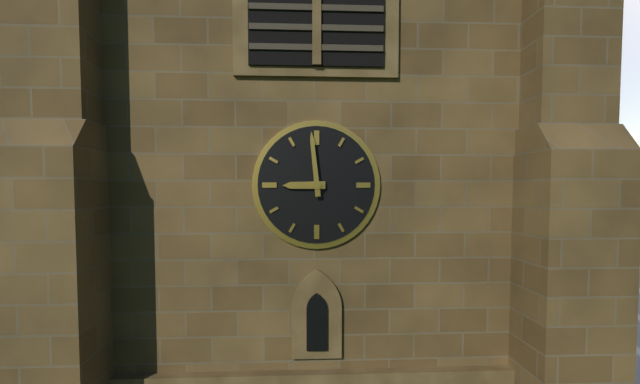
8,59
